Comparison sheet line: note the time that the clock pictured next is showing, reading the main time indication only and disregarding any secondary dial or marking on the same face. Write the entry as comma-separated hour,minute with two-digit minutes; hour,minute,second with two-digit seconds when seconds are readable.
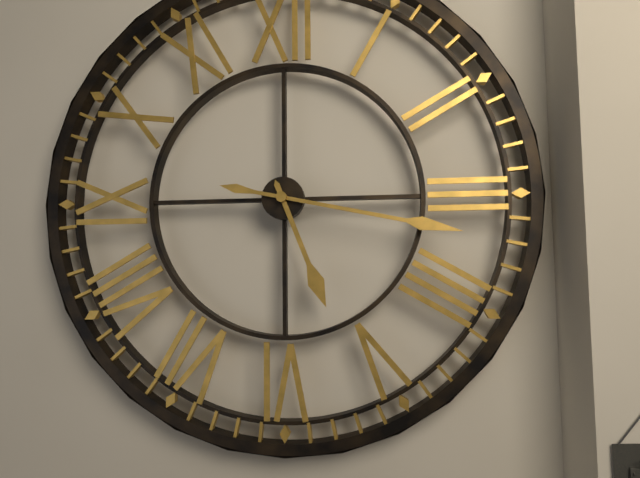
5,17
